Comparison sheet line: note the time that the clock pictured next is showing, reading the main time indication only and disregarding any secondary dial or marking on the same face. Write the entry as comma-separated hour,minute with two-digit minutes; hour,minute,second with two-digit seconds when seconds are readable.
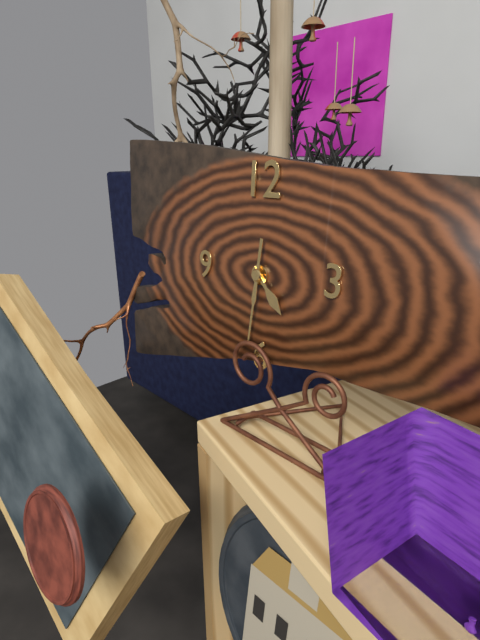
4,31
